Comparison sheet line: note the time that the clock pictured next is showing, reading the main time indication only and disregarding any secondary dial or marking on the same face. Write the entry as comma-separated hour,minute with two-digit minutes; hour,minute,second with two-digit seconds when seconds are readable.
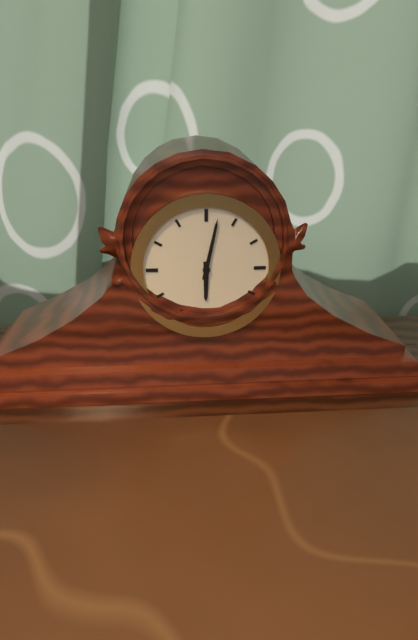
6,02
